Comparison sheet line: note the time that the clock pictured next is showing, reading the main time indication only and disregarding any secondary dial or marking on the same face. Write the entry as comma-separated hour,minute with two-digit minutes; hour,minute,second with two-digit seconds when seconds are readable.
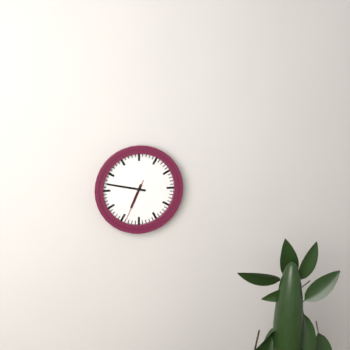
6,47
